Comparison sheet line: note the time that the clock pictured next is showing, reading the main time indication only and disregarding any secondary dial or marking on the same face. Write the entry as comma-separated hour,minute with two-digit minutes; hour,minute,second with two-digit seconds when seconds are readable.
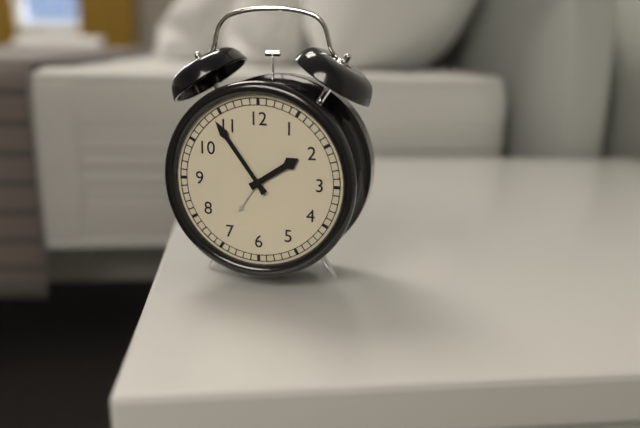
1,54
